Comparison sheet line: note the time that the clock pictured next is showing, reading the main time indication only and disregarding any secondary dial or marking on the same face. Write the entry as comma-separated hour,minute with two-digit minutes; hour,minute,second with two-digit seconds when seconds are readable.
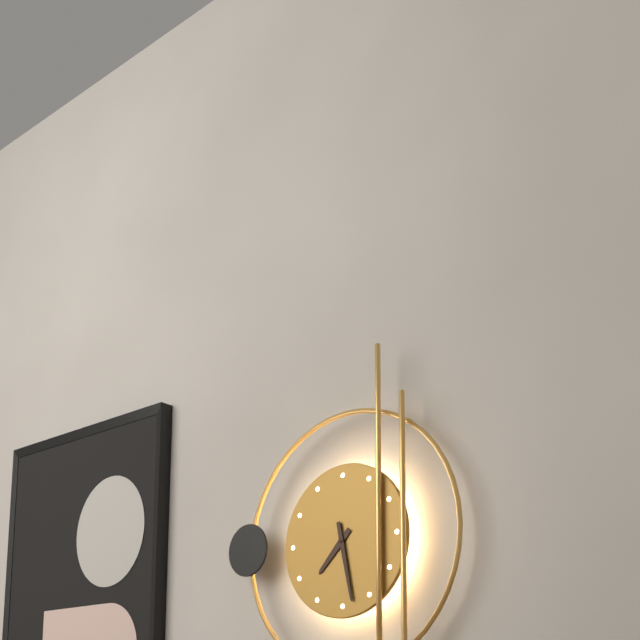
7,28
